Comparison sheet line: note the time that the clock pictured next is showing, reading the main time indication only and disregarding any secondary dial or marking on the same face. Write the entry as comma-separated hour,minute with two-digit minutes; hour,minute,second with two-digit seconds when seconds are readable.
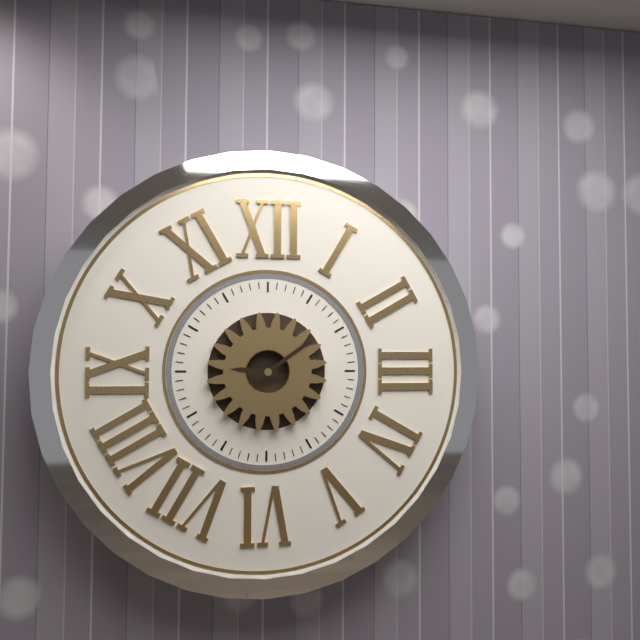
9,09
